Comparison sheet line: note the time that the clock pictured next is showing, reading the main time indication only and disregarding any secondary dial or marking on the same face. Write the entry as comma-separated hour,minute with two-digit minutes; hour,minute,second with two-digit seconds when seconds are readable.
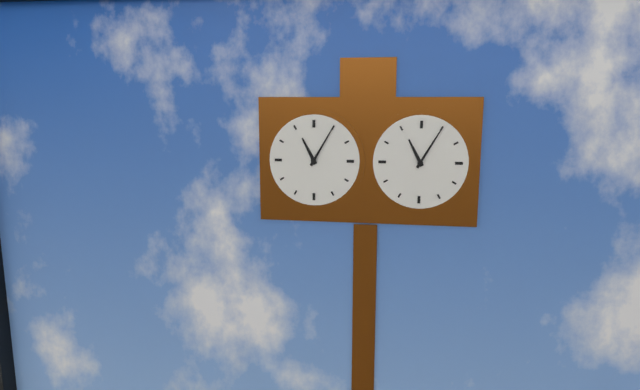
11,05
